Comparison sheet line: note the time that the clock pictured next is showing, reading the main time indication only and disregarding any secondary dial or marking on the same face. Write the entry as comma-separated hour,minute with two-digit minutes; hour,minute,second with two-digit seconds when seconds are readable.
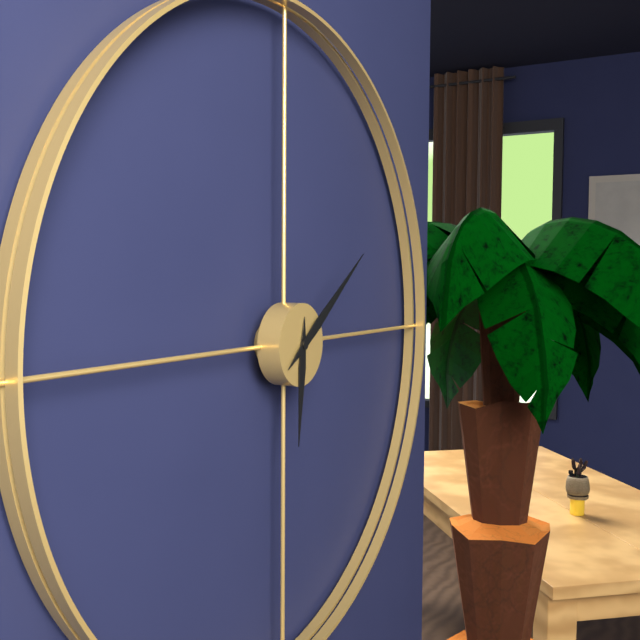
6,09
